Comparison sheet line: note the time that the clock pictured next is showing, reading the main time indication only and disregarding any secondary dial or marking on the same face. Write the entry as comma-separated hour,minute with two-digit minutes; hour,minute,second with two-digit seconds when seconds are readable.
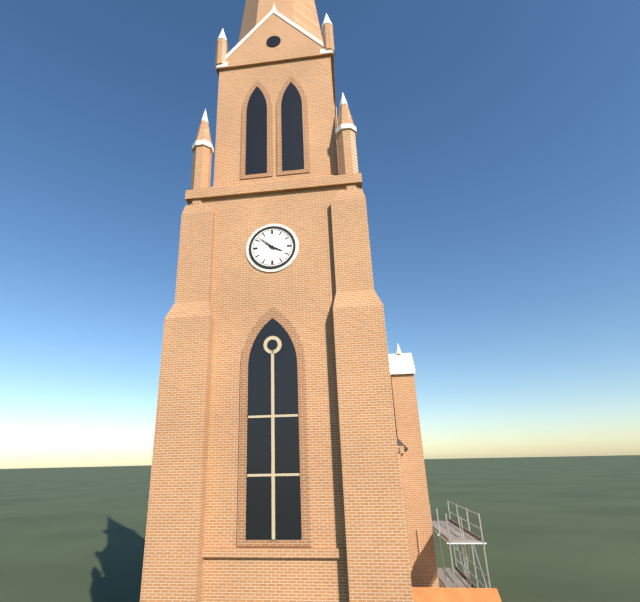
3,52
